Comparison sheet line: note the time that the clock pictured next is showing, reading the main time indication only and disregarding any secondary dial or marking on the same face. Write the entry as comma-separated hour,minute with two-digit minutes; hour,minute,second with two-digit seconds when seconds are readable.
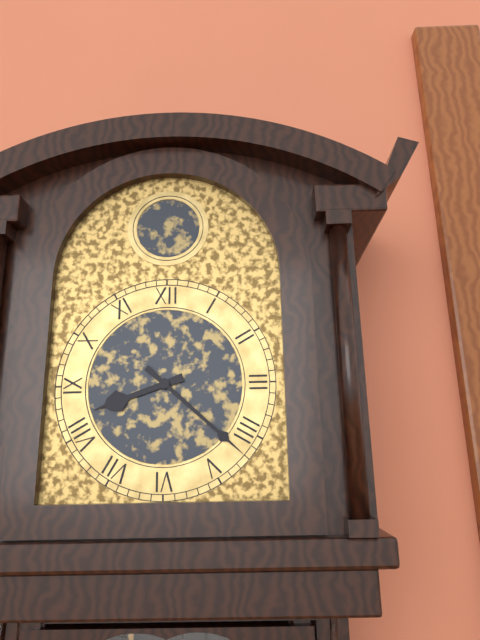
8,22
